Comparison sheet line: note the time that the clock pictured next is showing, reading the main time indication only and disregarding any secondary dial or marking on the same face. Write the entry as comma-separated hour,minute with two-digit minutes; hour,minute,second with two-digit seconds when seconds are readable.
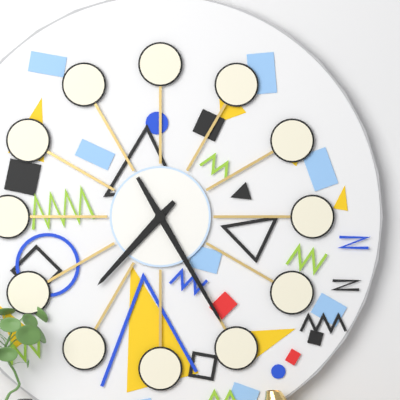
7,25
